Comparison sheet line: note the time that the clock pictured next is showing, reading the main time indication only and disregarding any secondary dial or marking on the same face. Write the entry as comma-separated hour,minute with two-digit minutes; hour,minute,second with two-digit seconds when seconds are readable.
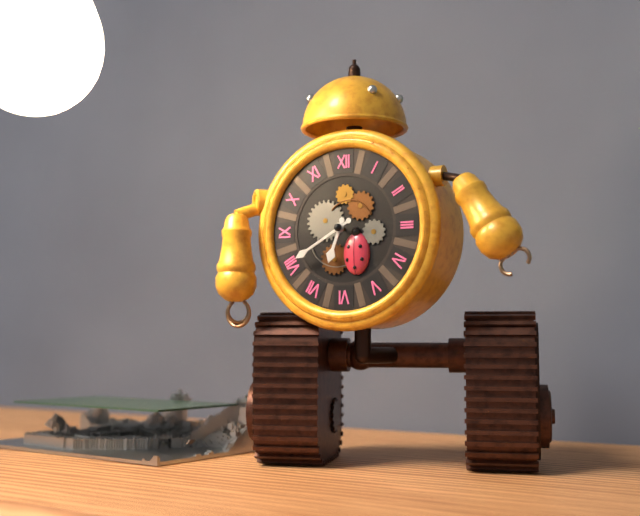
6,40
